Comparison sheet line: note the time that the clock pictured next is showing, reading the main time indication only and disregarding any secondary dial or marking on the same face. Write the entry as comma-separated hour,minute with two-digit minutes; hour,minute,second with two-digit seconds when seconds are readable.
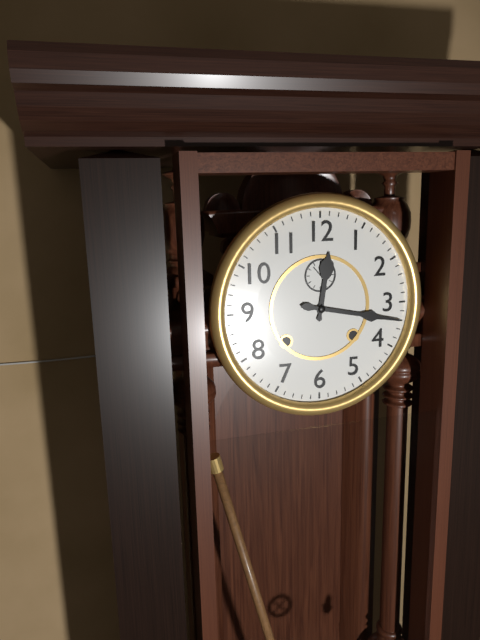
12,17
